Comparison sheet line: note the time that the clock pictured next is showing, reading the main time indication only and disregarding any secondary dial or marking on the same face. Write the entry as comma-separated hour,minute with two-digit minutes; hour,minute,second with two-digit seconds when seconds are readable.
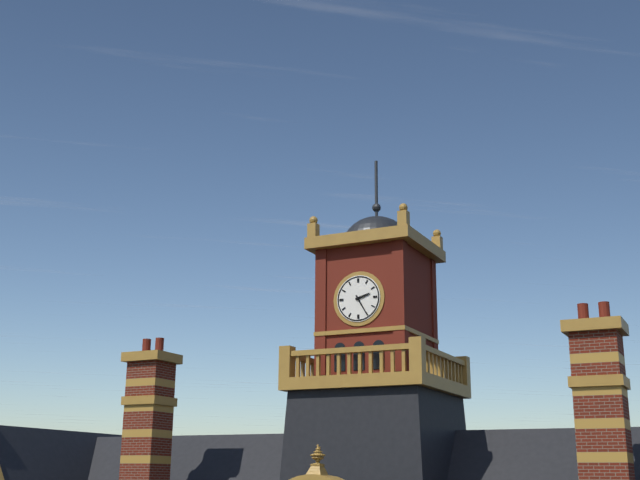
2,25
